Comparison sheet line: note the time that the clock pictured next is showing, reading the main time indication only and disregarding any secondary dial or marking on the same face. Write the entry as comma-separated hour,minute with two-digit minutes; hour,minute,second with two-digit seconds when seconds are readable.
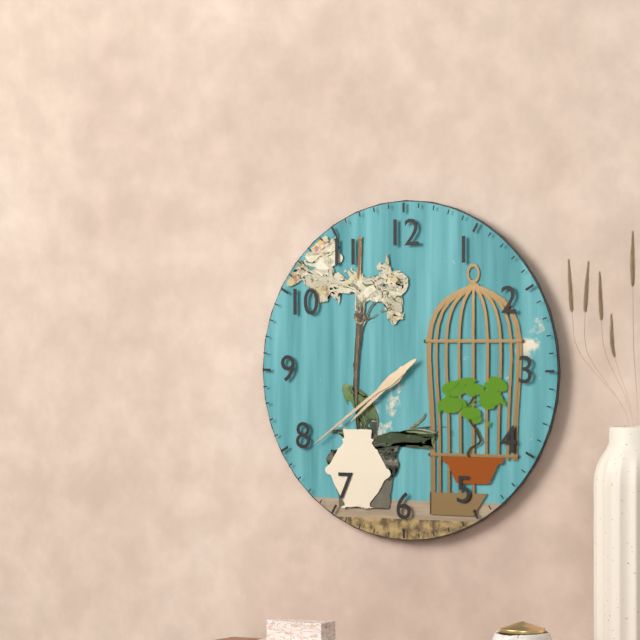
7,39
